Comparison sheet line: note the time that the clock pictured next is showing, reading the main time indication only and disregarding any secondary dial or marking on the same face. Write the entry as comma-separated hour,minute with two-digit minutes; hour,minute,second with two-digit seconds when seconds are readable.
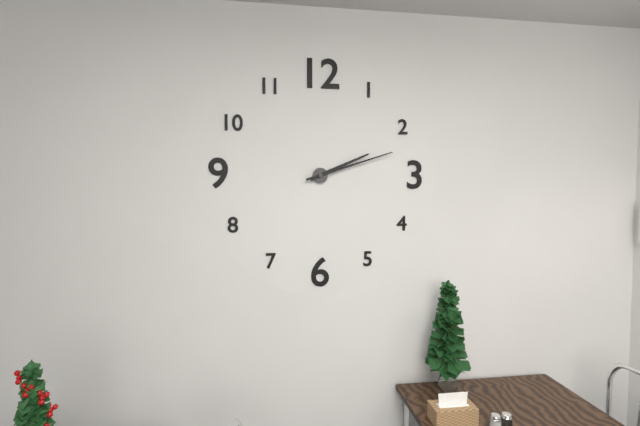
2,12
